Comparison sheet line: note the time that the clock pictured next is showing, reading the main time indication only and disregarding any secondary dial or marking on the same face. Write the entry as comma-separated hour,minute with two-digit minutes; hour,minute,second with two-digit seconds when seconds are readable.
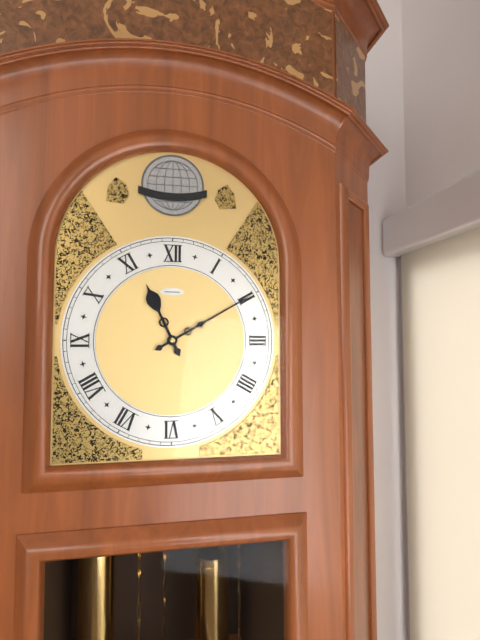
11,10
